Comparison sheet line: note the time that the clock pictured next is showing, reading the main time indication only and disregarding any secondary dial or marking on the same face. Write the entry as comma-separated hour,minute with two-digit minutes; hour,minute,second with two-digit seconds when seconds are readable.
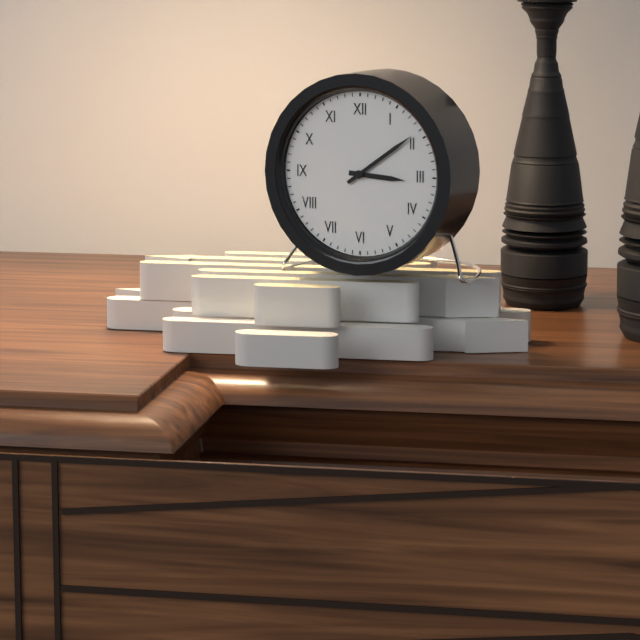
3,09
